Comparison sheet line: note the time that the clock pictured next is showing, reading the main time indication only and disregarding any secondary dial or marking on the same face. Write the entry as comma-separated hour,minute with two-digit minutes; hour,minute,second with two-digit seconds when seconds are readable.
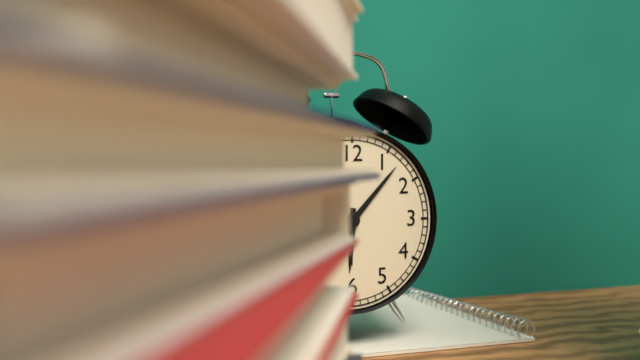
6,07
